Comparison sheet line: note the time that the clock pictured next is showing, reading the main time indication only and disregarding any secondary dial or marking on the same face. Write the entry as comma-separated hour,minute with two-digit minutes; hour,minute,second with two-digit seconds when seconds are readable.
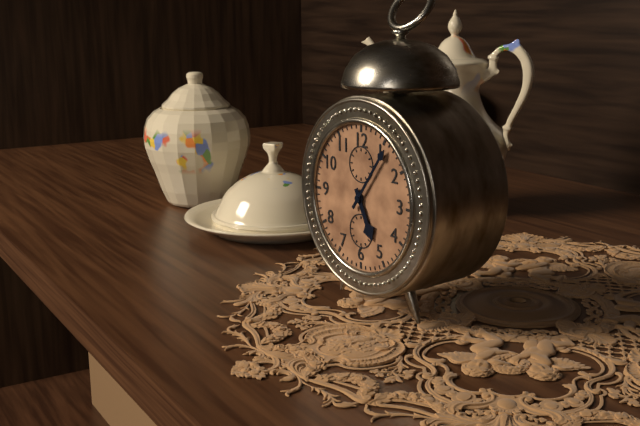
5,06
